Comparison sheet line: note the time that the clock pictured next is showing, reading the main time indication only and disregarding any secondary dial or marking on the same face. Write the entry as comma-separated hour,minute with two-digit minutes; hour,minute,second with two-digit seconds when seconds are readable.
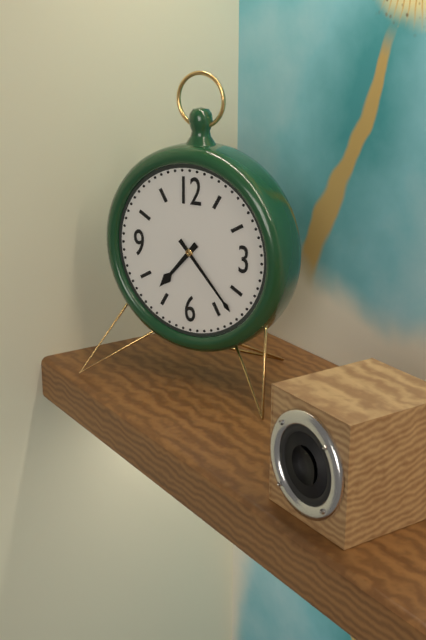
7,23
